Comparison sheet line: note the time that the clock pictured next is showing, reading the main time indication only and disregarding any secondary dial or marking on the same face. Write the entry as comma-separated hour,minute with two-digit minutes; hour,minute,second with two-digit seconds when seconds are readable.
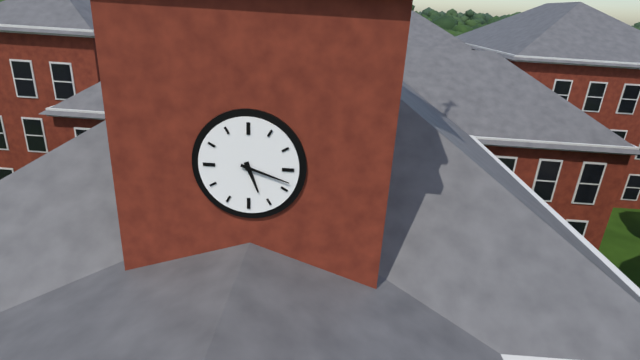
5,18
